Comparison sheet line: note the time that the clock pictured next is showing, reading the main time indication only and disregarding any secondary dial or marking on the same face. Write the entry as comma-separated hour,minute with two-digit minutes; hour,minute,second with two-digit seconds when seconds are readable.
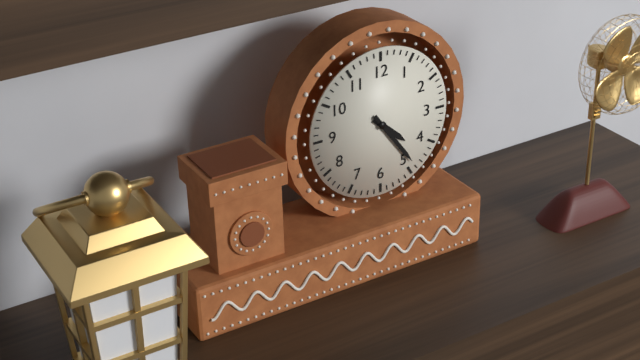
4,24
